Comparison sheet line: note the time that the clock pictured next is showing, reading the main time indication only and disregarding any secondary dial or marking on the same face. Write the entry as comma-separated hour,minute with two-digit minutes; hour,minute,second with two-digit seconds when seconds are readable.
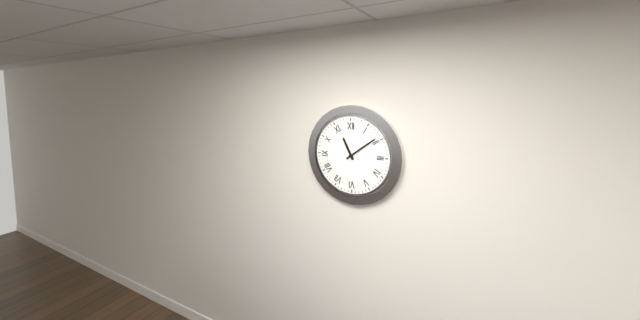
11,09
